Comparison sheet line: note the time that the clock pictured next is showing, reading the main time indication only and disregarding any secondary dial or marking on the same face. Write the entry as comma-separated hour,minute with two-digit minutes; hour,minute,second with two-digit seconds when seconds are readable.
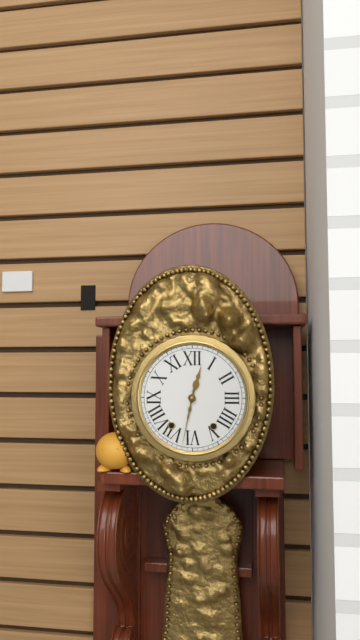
12,32
